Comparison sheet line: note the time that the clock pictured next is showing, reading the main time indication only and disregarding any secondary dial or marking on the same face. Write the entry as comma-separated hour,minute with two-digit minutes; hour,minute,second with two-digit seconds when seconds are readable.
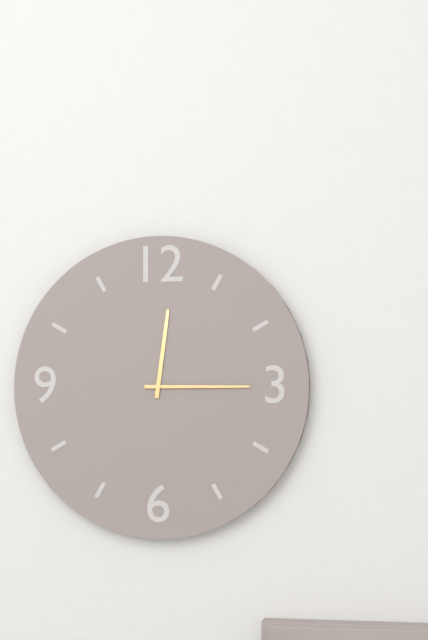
12,15
